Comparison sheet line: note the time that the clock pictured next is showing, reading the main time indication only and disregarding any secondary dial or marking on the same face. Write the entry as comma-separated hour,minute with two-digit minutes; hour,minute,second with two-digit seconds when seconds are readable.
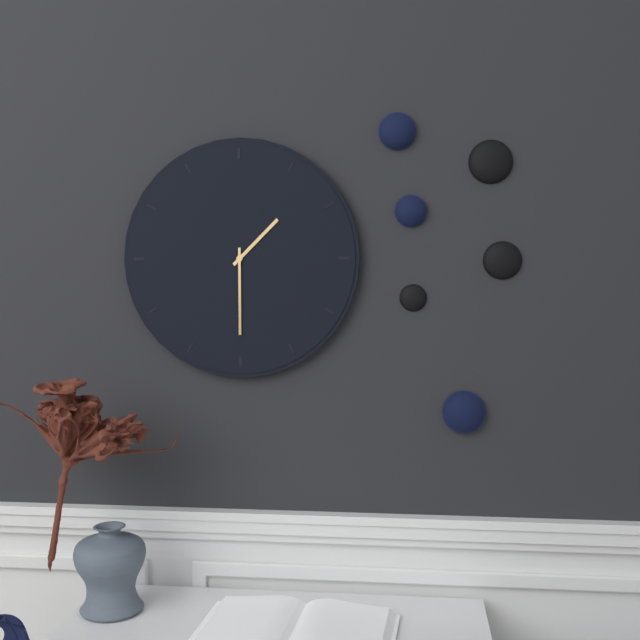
1,30
